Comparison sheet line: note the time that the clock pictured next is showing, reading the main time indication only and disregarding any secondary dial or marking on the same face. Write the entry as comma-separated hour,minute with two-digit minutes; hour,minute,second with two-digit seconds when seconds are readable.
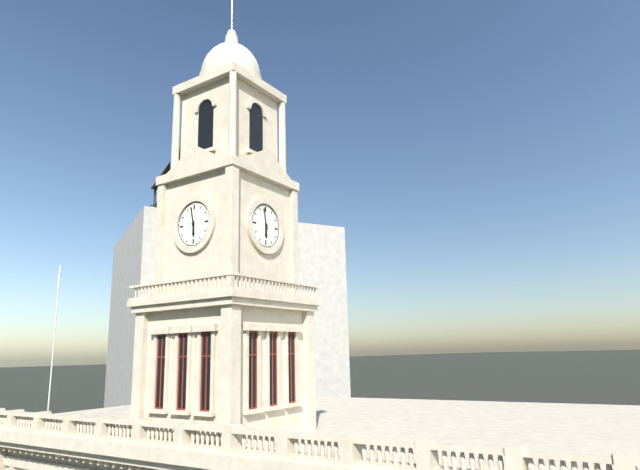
5,58
